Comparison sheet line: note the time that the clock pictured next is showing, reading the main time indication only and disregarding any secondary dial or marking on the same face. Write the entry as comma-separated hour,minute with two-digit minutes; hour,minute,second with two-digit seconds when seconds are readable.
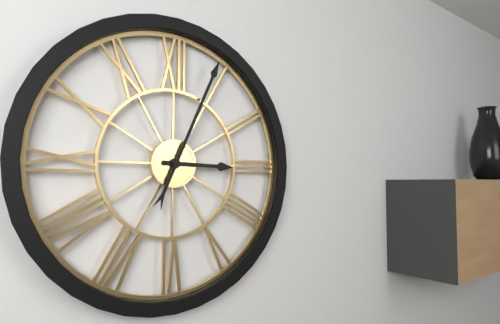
3,04
